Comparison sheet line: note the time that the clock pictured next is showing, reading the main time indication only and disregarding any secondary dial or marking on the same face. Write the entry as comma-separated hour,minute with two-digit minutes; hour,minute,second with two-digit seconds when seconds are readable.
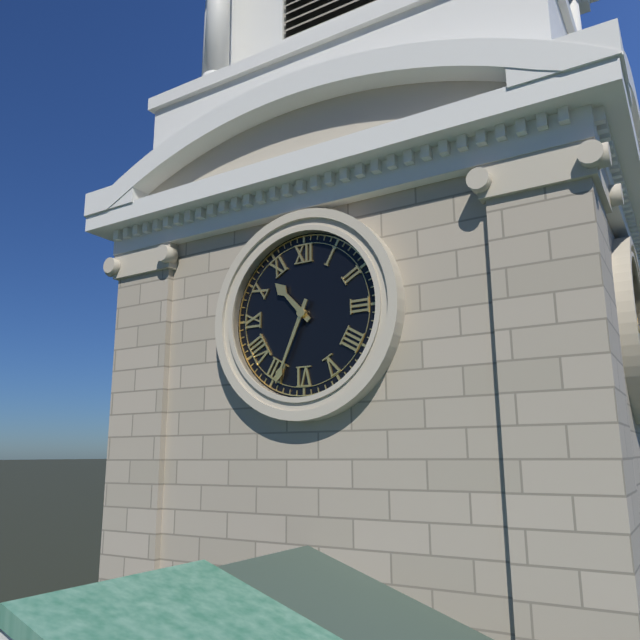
10,34
